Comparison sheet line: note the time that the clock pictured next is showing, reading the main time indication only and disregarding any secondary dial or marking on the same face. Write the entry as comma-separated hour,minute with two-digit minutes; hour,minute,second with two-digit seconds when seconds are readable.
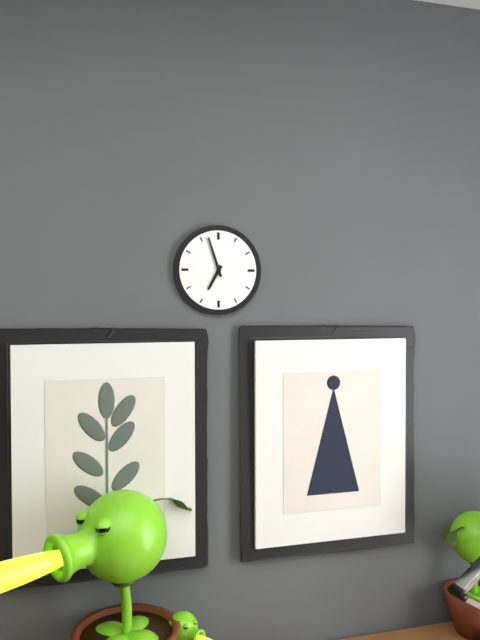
6,57
